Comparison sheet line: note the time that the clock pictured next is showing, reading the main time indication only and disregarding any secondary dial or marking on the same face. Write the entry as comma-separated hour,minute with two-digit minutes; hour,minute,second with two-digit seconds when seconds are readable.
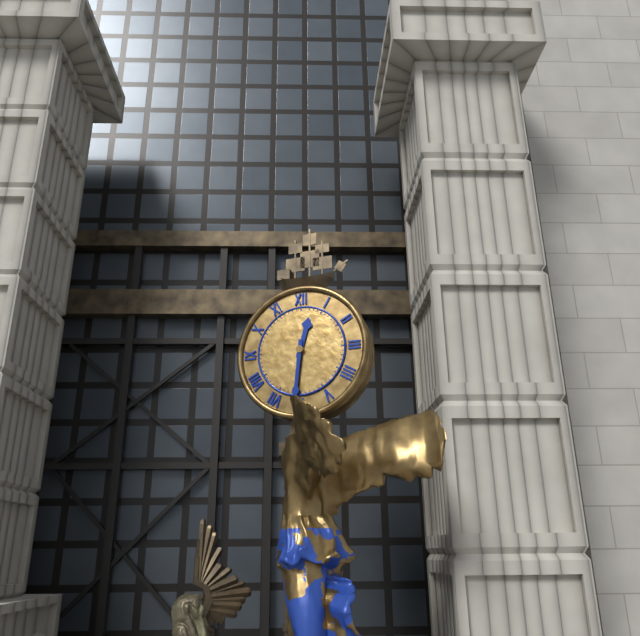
12,31
